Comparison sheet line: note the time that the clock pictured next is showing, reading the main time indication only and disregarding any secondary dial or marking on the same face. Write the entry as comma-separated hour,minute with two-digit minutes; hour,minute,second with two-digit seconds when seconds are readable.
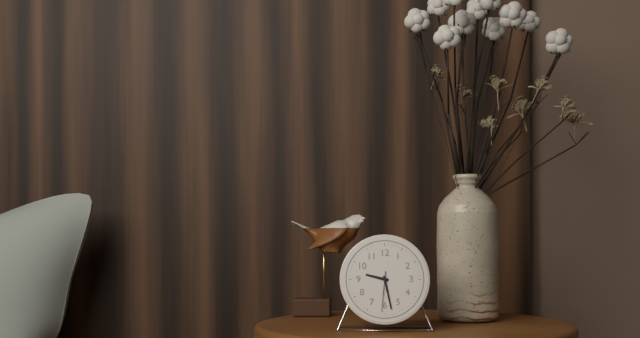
9,28
